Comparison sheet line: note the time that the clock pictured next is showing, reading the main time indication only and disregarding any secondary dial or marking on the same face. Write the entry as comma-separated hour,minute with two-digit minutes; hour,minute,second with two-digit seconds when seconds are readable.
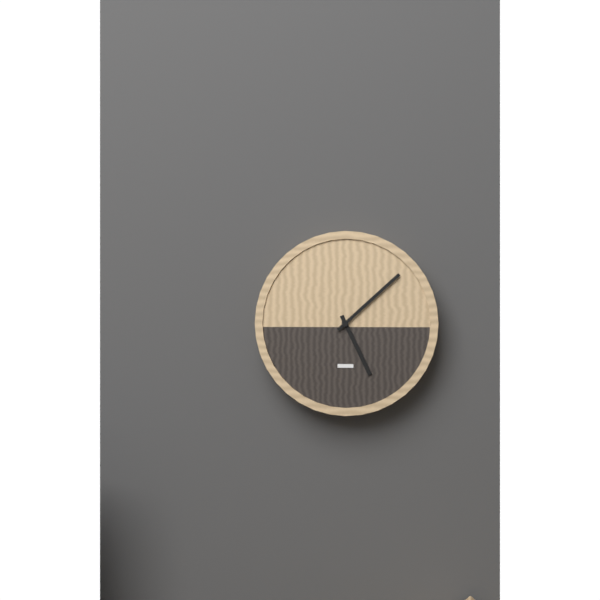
5,08
